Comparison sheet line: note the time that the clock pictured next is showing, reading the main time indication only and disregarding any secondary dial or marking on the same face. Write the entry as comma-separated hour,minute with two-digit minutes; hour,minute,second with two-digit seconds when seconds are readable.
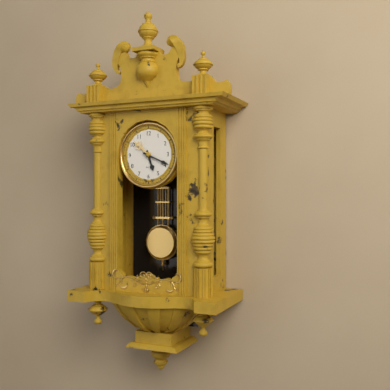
5,19
